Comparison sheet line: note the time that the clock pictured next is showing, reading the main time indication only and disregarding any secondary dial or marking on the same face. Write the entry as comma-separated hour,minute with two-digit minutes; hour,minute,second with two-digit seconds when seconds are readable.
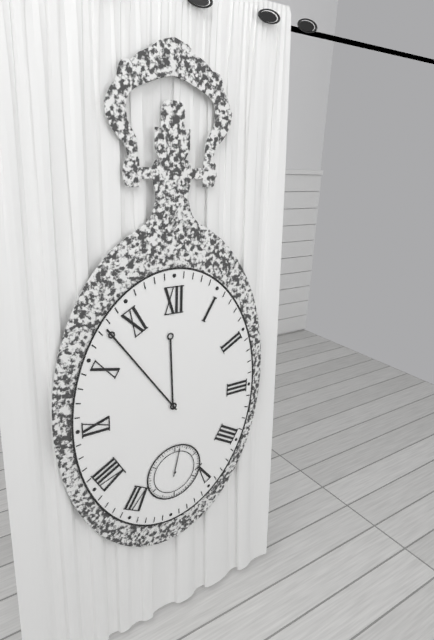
11,54
